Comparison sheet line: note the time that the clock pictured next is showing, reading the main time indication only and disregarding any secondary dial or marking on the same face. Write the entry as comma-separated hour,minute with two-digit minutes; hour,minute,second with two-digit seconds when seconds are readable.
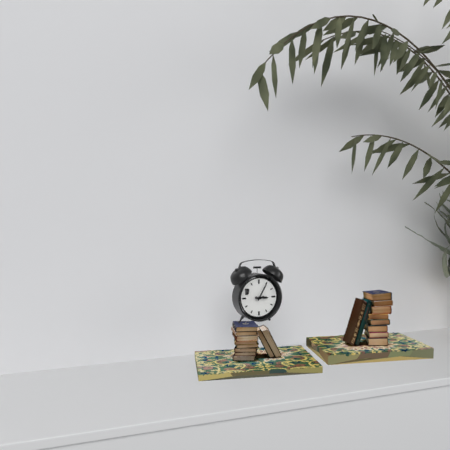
3,05
